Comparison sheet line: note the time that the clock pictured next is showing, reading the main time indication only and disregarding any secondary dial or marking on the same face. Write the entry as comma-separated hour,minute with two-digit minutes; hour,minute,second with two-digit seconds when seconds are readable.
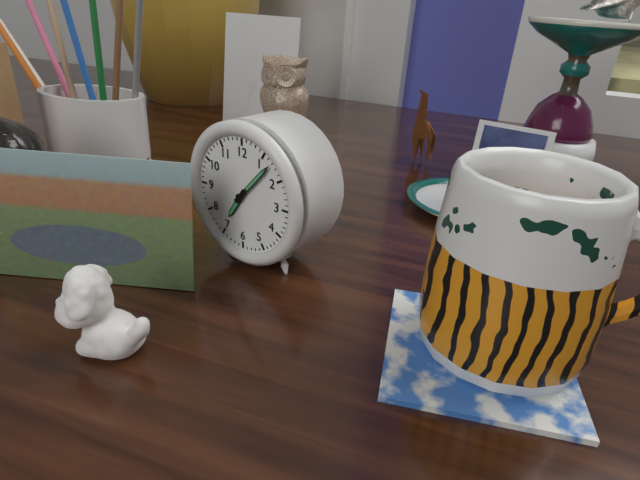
7,07
